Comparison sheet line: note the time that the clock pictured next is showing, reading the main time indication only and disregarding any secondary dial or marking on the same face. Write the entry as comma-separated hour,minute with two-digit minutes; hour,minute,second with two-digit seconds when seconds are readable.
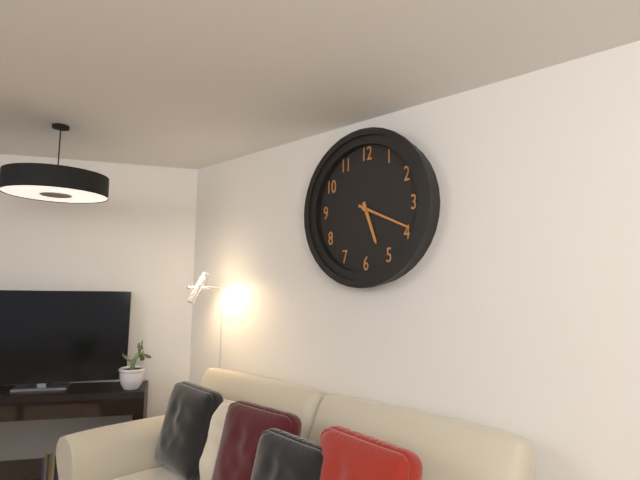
5,19
